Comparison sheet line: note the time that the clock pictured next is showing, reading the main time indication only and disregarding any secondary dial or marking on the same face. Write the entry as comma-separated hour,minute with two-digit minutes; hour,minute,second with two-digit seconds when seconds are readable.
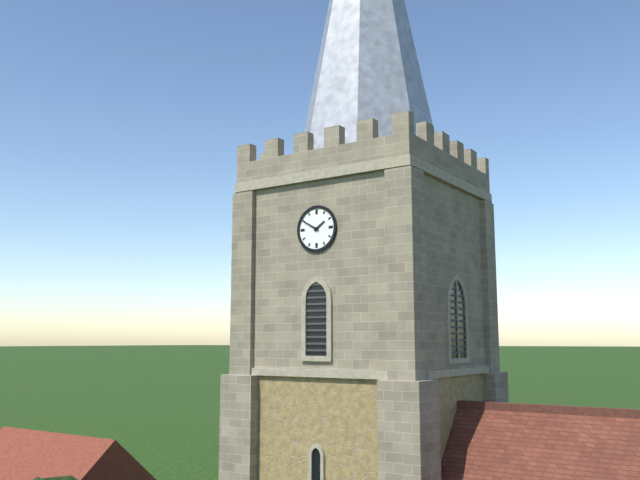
1,50
